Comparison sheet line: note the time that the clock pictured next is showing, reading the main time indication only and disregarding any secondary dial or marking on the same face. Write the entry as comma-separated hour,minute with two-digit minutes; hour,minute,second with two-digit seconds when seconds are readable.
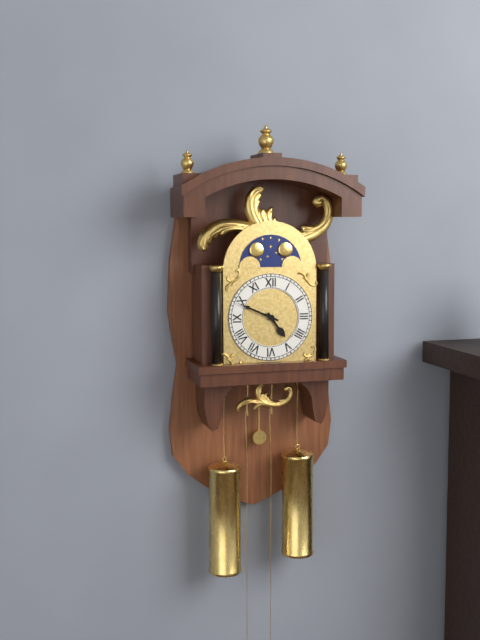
4,49
